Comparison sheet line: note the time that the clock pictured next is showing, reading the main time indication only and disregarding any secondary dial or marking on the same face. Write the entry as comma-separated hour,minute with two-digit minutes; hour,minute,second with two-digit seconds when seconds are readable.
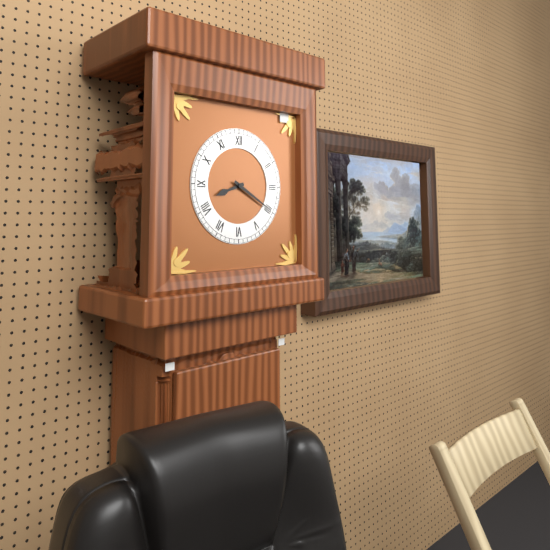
8,20
